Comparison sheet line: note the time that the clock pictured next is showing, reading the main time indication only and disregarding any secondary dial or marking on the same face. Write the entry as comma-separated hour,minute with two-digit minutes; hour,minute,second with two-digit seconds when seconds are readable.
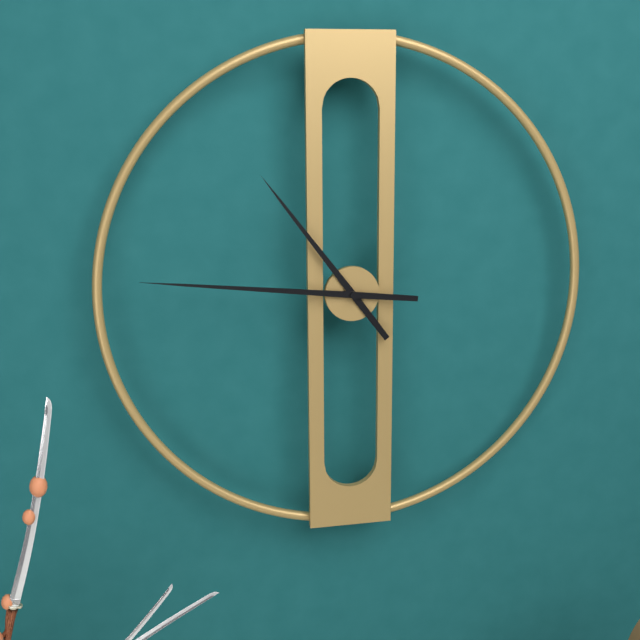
10,46
